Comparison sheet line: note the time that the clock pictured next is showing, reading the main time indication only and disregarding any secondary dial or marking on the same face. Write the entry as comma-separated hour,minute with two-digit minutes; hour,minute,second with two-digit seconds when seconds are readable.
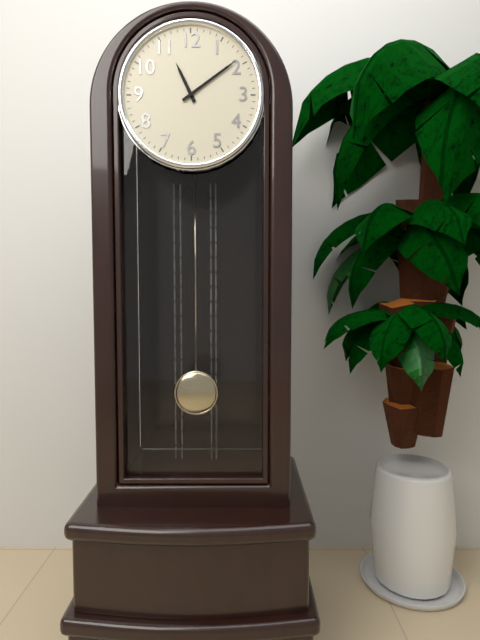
11,09
